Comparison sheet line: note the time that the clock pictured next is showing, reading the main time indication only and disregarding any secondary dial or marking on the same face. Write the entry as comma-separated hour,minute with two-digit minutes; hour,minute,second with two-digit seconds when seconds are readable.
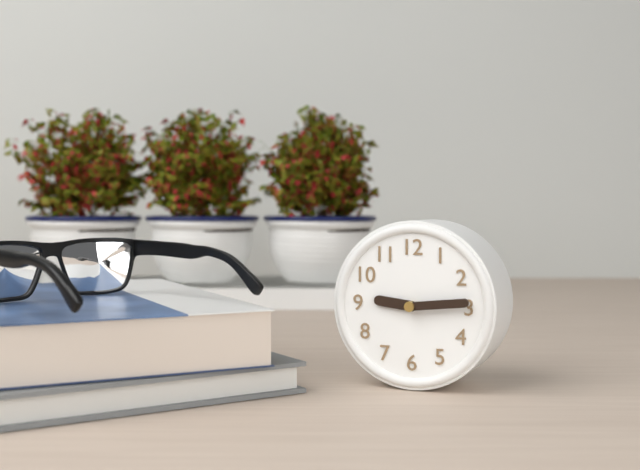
9,14
